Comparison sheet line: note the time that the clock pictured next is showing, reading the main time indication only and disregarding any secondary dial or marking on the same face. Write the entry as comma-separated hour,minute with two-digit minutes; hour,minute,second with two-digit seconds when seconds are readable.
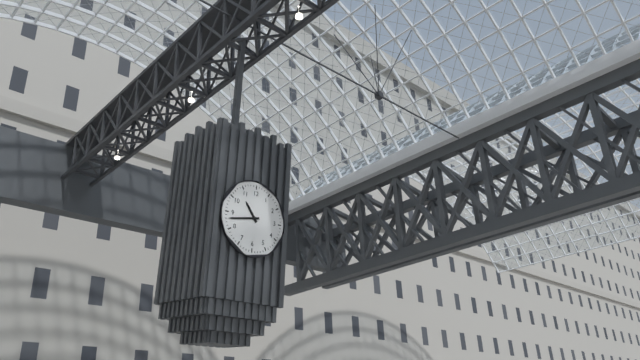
10,43
